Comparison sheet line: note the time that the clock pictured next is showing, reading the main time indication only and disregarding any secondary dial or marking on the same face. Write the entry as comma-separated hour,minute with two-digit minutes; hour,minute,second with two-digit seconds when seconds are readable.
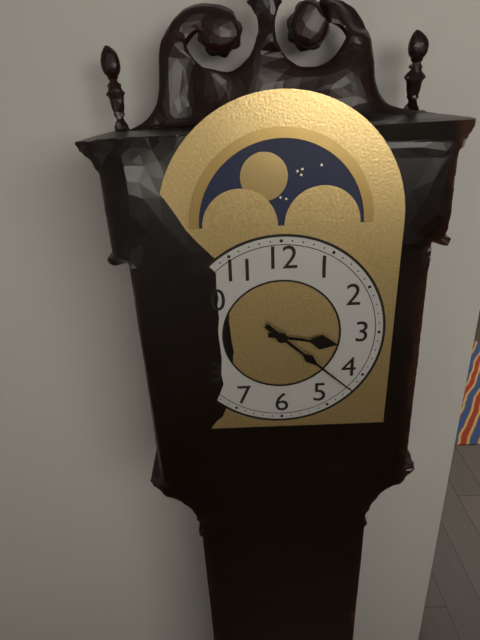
3,22
